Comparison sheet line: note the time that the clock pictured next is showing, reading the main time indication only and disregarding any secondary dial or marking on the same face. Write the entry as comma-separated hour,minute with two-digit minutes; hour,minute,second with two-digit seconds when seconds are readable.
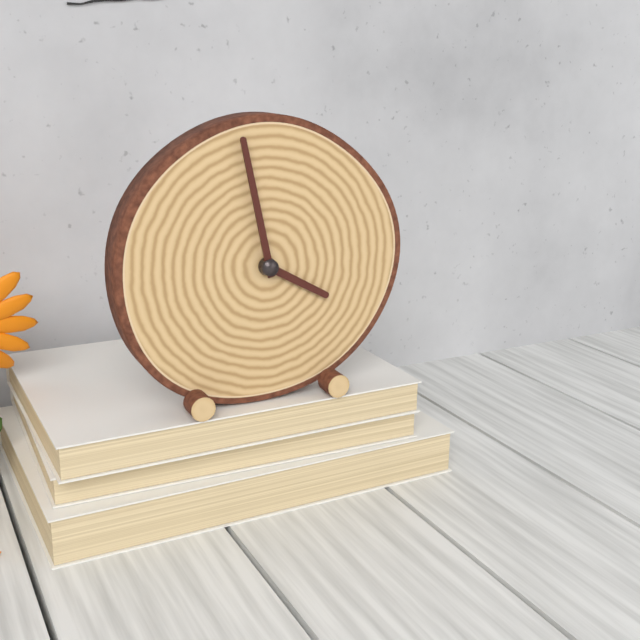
3,58
